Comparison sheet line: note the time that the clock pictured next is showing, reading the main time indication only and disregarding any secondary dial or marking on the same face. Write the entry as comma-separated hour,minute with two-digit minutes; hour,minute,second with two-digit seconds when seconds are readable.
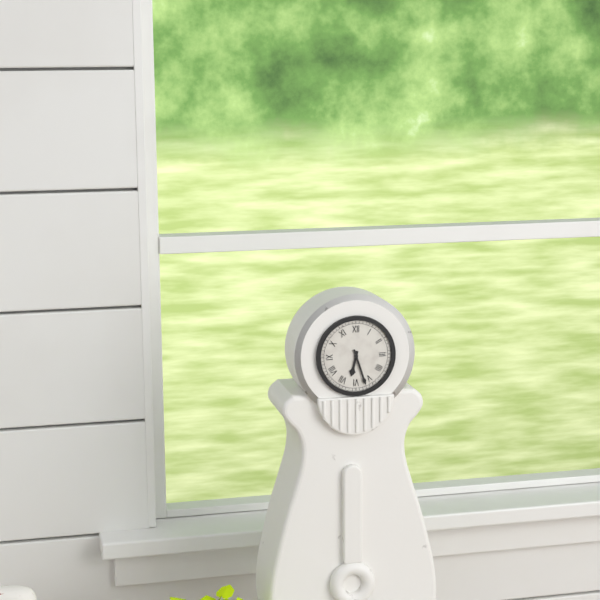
6,27
